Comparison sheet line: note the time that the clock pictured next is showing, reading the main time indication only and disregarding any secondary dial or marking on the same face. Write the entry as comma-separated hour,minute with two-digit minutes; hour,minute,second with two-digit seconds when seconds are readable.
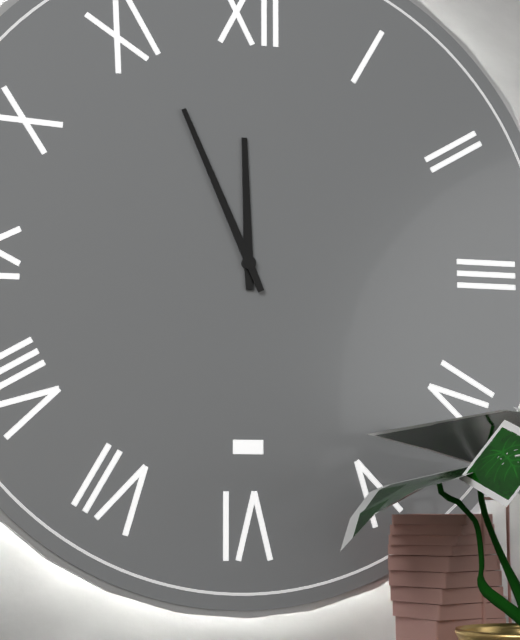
11,56
